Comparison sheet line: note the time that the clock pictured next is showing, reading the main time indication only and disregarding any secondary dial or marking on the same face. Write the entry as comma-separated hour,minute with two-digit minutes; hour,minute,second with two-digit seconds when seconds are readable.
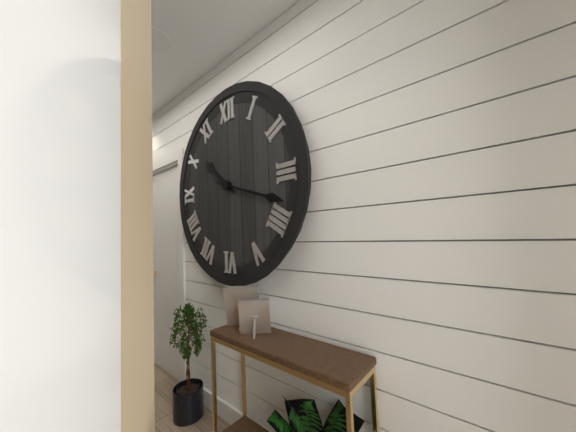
10,18
